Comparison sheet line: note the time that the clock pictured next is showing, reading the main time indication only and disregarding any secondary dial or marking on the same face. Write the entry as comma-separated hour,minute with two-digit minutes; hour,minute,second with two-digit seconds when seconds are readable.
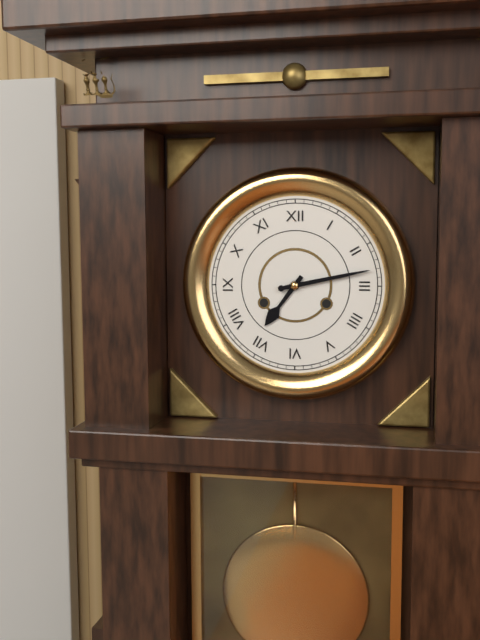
7,13
